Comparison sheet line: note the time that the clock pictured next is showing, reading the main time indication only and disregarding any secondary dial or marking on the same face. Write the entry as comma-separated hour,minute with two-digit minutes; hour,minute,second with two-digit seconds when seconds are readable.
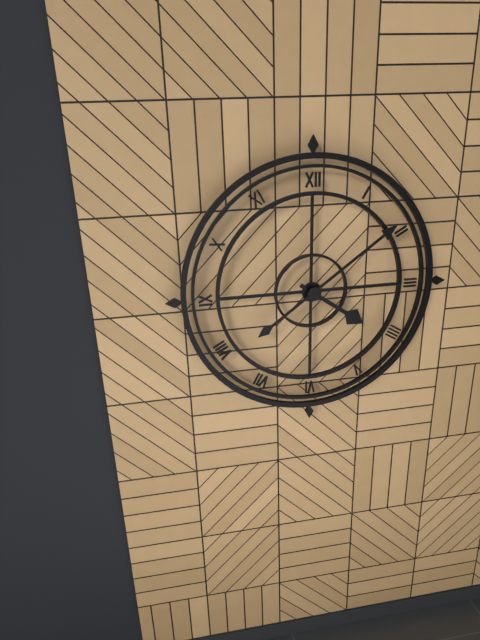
4,09
